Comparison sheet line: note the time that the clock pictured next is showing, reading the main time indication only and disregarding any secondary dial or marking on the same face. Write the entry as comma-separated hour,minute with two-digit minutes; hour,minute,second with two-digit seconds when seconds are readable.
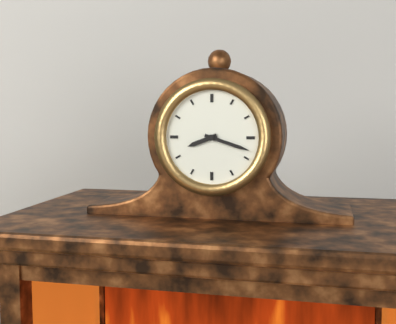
8,18
